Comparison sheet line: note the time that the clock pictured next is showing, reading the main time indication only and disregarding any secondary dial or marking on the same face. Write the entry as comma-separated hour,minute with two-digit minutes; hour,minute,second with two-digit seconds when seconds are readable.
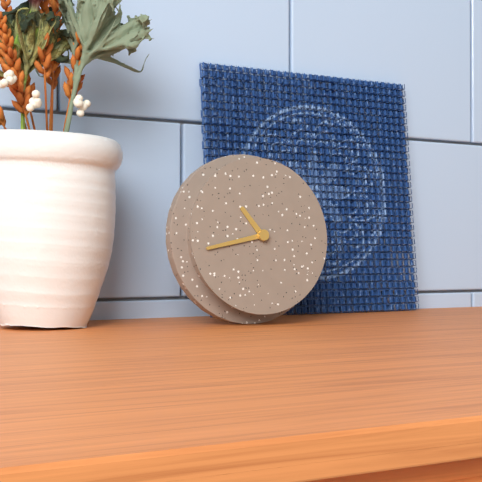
10,43
